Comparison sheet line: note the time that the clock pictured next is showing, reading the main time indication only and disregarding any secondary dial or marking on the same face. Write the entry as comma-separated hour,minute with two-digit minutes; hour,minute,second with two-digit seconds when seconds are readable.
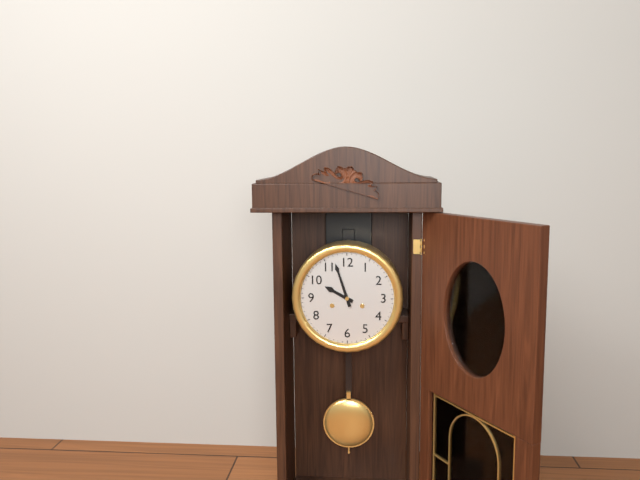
9,57
